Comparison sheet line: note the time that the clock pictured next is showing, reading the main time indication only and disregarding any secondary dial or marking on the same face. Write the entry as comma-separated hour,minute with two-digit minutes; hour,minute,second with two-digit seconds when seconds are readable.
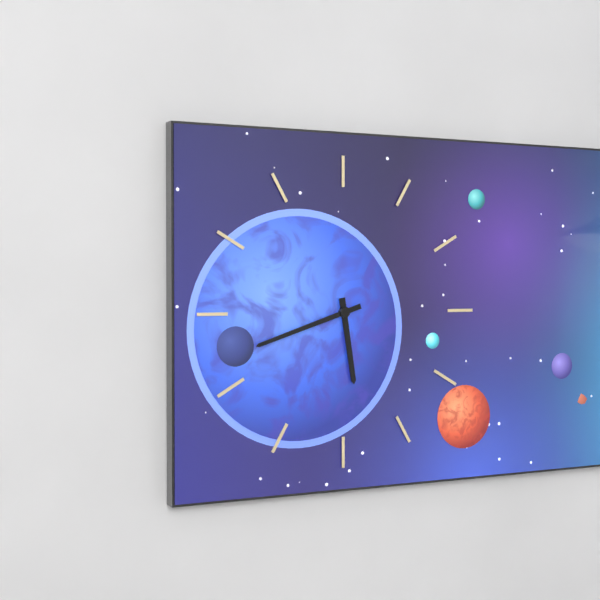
5,42
